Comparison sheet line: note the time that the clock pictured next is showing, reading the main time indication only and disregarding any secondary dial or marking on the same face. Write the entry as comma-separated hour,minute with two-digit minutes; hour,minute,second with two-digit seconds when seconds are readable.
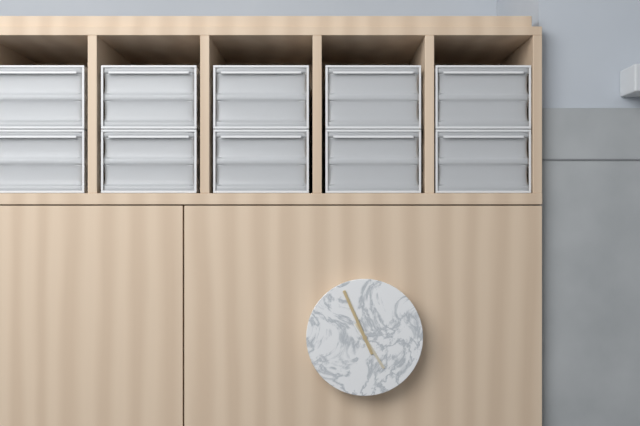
4,56
